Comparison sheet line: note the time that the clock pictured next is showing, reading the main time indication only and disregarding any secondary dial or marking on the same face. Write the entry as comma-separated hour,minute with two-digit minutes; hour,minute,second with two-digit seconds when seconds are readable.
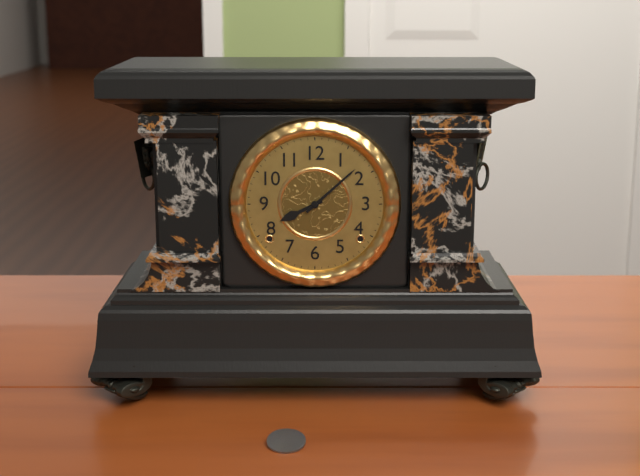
8,08
